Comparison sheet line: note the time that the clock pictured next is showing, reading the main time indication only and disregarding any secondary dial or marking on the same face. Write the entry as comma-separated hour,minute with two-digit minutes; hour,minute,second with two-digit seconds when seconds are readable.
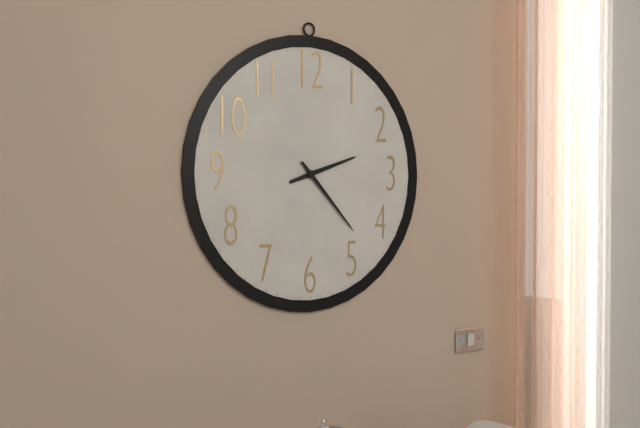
2,23
